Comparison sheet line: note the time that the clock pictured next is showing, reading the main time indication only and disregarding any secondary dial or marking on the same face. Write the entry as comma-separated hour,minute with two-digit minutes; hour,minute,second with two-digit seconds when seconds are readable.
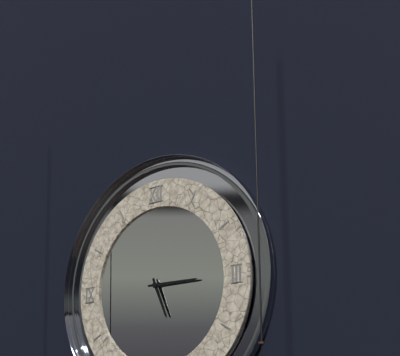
5,15
